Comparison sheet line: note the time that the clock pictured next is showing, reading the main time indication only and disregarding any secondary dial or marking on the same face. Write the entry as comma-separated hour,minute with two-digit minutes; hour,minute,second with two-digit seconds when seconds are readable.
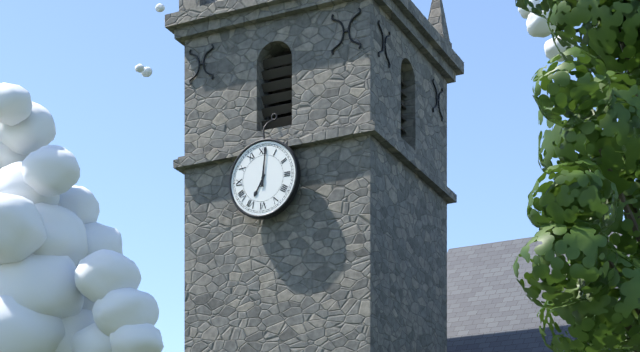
7,01
